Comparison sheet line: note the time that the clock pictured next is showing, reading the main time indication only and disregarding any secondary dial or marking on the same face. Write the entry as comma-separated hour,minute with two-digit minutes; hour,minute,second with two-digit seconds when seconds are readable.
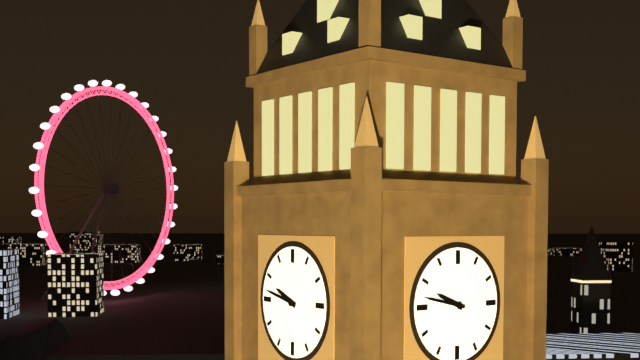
9,47
